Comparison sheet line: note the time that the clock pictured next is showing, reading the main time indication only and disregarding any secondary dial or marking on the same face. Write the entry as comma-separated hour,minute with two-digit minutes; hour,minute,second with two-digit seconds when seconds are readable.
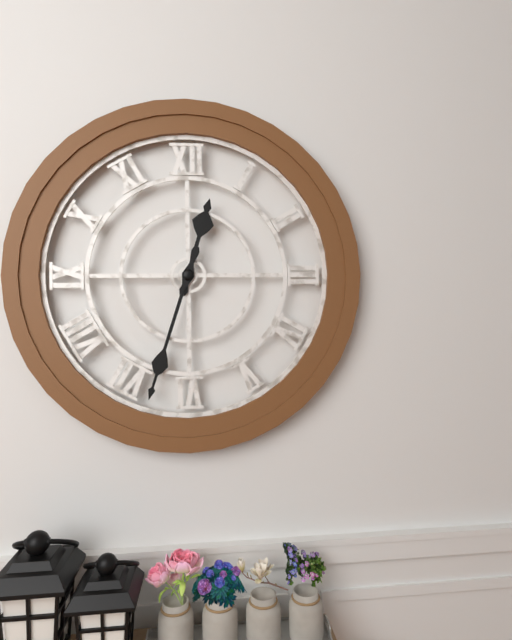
12,33
